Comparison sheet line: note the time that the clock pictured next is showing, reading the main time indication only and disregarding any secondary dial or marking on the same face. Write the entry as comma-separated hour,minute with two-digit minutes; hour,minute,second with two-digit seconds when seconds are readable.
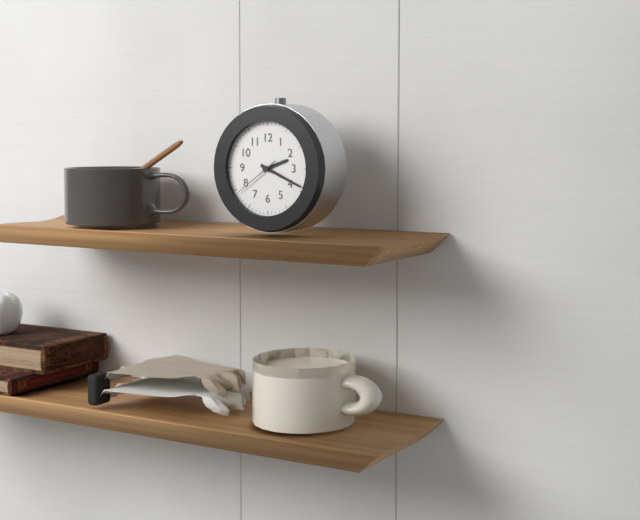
2,19
